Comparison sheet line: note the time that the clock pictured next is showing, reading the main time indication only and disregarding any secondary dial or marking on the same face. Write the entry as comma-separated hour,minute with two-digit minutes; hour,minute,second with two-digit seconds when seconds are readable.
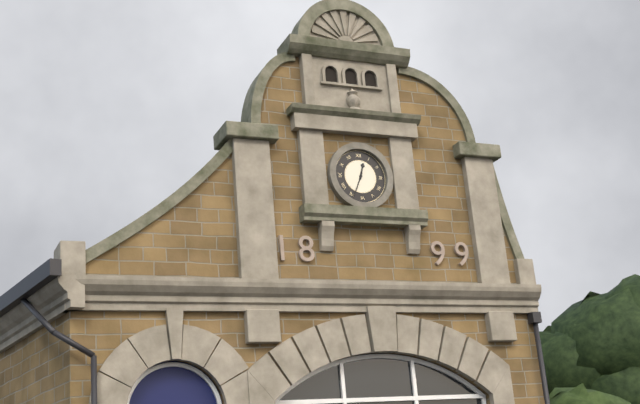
12,34
